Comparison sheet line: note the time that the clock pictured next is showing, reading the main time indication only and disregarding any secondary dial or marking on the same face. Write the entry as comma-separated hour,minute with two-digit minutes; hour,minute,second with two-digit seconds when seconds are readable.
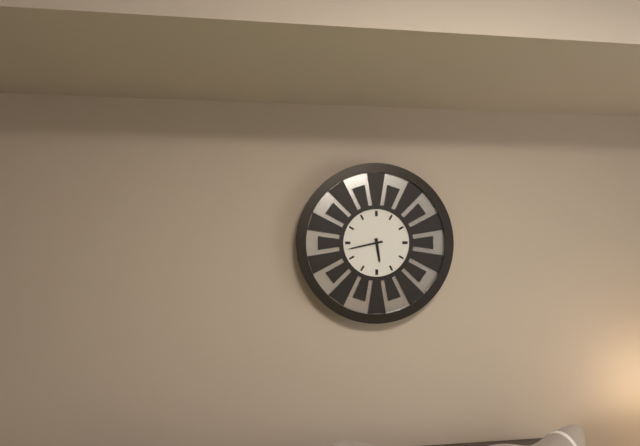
5,43
